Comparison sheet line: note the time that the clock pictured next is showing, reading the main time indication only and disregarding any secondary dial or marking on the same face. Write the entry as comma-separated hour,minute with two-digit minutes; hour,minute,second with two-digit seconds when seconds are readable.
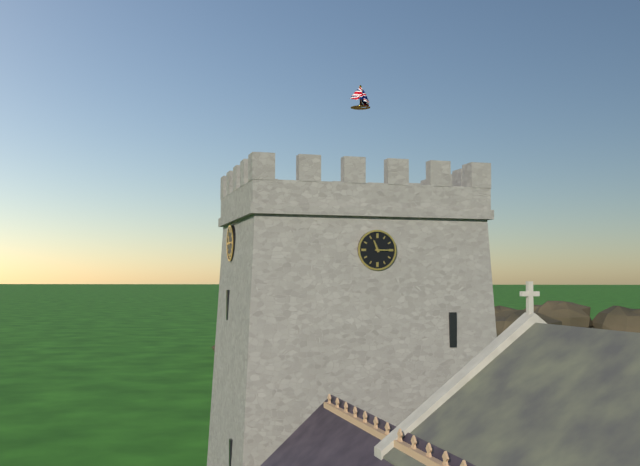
11,15
